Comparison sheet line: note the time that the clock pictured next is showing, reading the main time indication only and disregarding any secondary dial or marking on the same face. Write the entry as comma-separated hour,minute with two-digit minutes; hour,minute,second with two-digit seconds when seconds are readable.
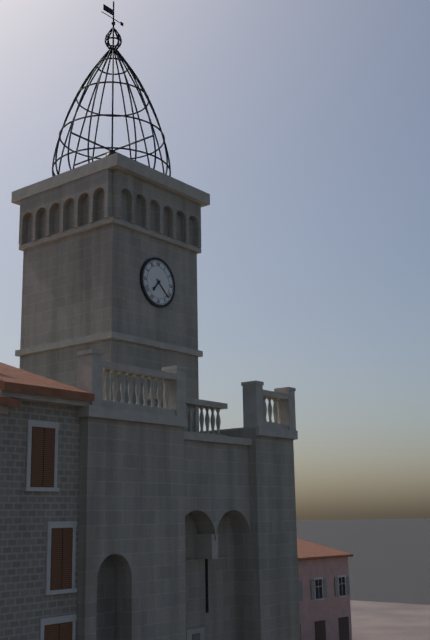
7,22
